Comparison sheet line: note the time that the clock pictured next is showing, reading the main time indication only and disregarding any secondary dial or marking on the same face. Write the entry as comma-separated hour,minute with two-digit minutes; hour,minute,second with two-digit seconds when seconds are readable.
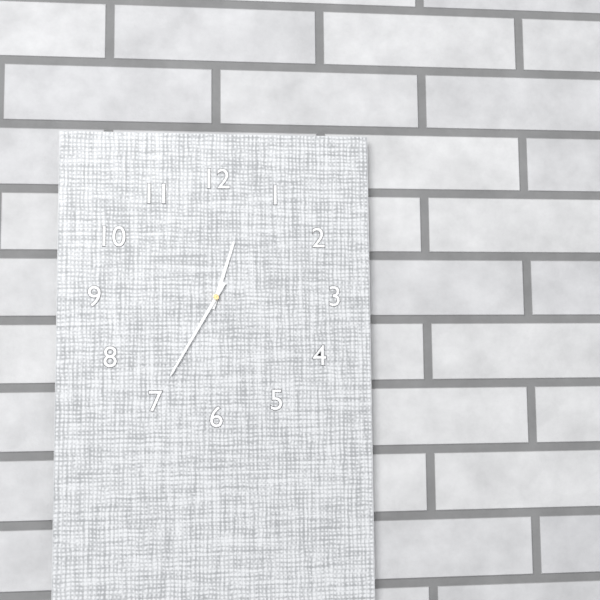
12,35
